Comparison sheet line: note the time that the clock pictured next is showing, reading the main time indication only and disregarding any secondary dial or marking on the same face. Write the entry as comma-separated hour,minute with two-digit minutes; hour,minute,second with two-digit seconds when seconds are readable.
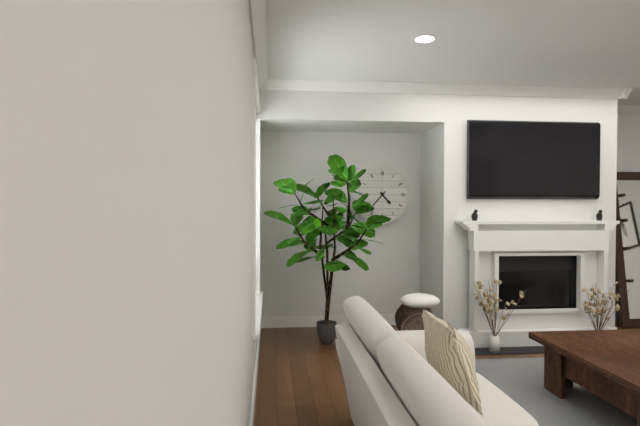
4,37
